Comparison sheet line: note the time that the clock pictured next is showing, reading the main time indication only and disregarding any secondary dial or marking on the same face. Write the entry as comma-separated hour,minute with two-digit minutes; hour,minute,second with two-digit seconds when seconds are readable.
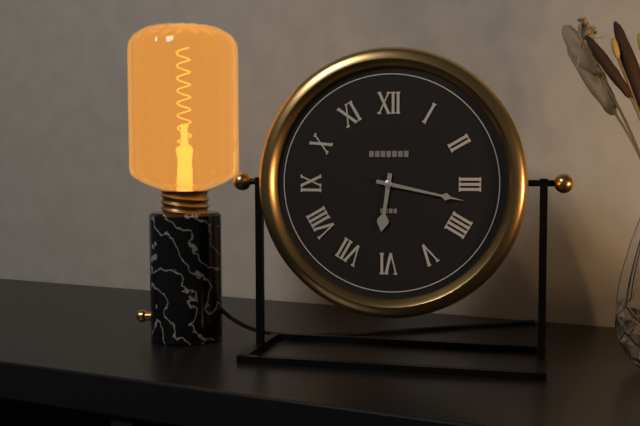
6,17
